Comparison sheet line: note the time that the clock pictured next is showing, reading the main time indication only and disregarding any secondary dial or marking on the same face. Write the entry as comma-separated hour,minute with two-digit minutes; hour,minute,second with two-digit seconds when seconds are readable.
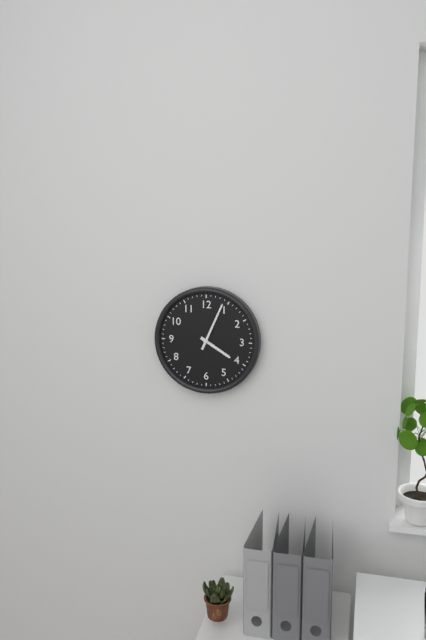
4,04
